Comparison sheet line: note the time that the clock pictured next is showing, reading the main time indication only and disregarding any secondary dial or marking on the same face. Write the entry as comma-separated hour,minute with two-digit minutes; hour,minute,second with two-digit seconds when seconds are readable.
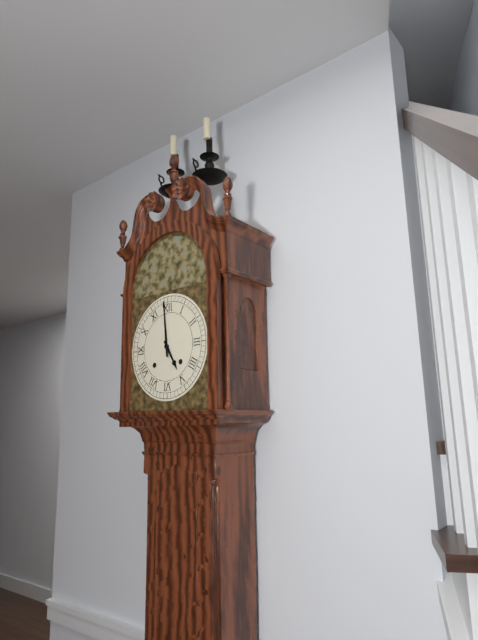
4,59
